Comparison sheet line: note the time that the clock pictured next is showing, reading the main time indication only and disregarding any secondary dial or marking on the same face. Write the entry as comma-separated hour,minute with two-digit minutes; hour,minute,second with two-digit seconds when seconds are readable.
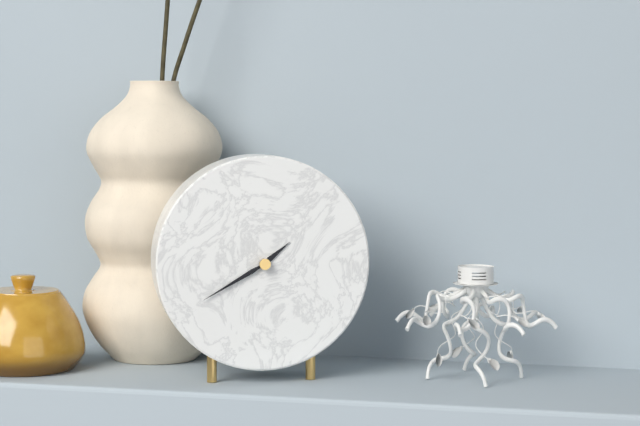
1,40
